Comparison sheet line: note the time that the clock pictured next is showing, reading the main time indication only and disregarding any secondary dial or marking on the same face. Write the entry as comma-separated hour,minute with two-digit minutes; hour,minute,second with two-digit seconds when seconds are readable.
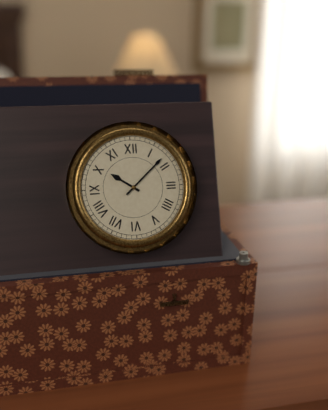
10,08
